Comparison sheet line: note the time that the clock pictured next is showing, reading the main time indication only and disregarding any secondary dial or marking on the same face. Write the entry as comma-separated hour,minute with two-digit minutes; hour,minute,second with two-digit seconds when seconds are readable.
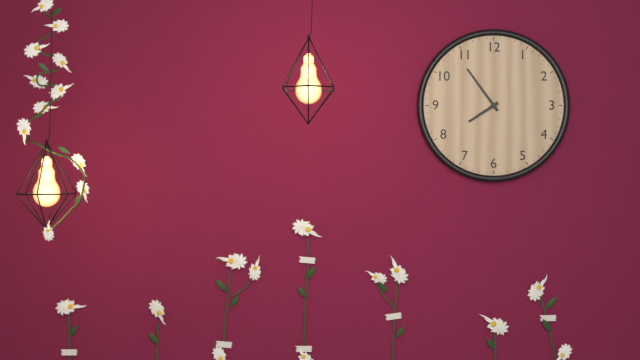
7,54
